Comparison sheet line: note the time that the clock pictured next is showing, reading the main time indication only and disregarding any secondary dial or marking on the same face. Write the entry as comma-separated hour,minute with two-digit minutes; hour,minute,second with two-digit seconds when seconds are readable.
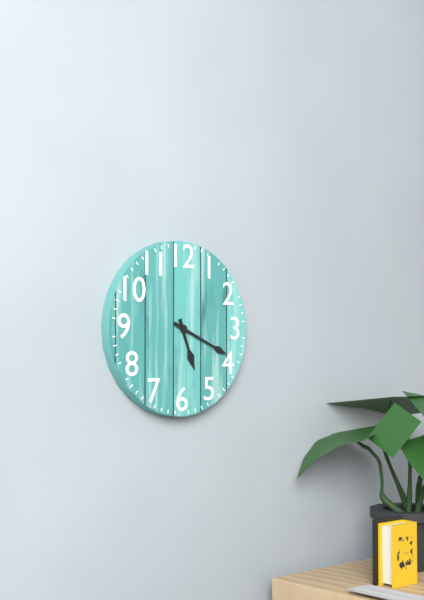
5,19
